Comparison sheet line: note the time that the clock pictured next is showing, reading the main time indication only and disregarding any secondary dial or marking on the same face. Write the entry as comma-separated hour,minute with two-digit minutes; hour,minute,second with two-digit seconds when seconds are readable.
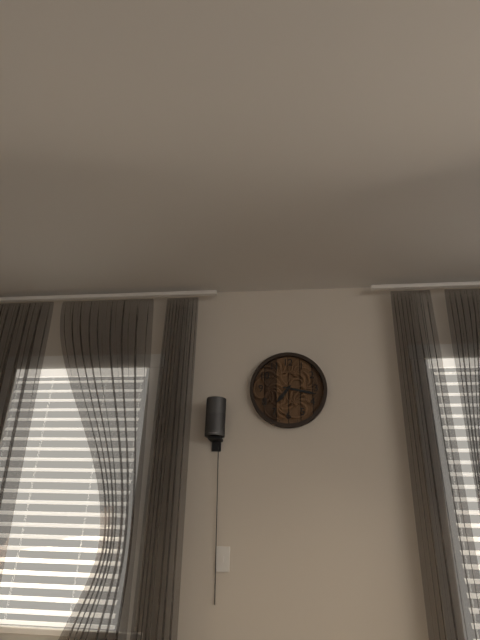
7,17
